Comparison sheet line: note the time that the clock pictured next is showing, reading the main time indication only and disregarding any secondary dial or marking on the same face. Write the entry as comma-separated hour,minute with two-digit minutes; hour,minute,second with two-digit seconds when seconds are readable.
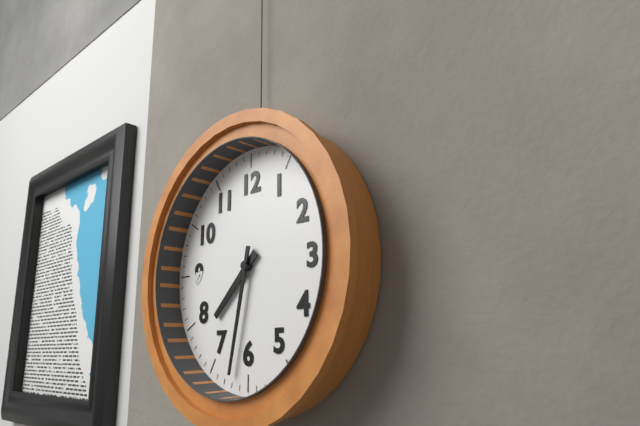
7,32
